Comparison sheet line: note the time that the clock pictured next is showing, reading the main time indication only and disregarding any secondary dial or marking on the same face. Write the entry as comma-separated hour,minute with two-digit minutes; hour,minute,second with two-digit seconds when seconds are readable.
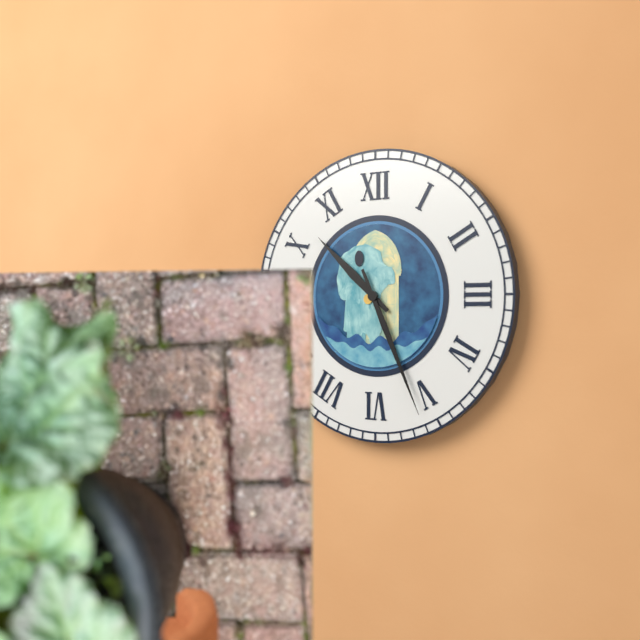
10,26
